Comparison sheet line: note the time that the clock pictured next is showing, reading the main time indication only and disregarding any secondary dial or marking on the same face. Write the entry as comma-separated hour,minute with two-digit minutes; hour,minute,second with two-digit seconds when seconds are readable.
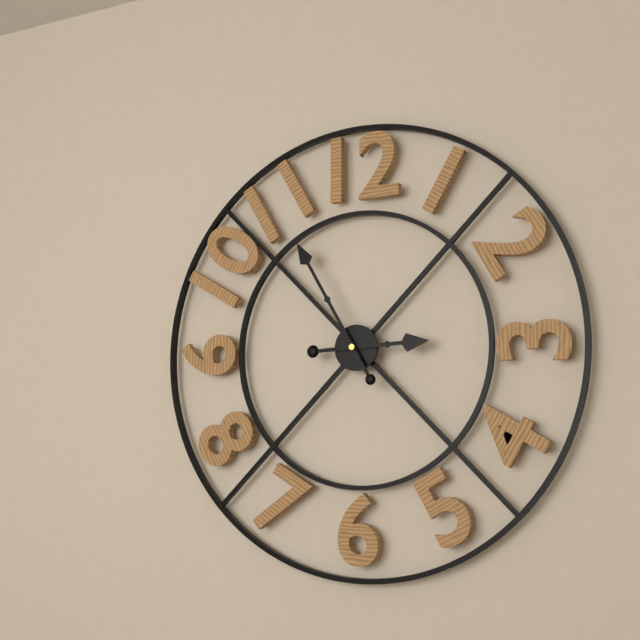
2,55
